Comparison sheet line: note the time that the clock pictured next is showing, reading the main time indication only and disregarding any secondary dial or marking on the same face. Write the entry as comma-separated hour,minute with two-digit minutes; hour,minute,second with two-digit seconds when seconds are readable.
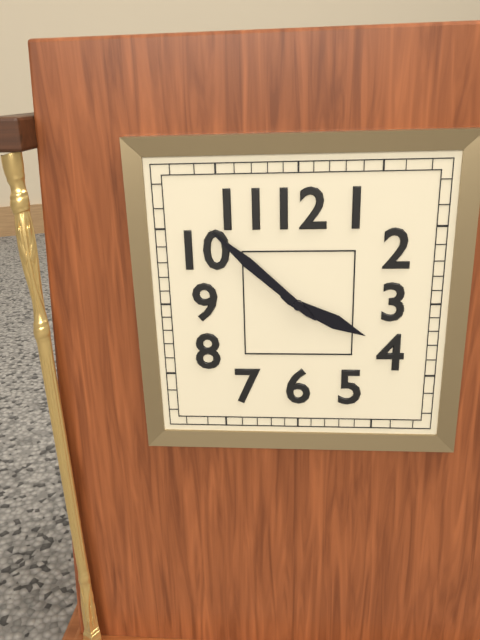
3,52
